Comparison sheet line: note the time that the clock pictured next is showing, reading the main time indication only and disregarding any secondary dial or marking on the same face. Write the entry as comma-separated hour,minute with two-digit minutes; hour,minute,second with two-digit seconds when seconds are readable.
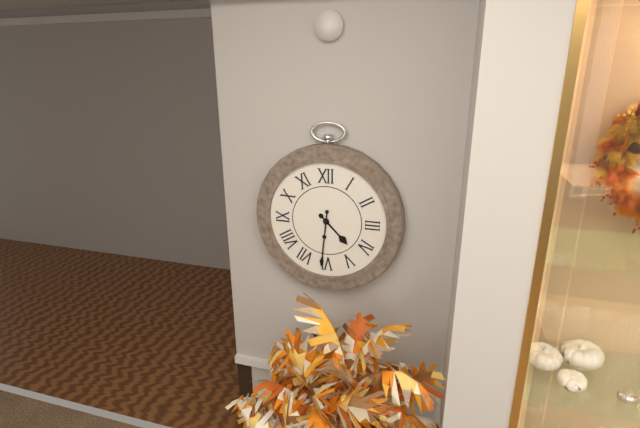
4,31
